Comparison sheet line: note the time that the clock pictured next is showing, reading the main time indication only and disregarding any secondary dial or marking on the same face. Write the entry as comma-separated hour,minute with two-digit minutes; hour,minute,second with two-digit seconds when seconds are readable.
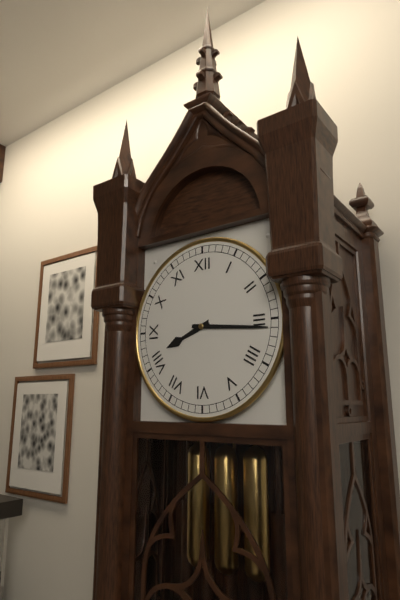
8,16
